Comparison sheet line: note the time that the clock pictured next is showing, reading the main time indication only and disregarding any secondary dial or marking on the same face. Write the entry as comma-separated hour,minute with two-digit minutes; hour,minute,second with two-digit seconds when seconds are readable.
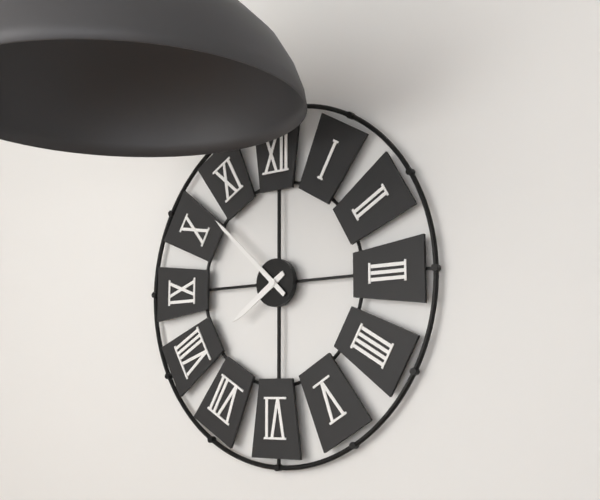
7,52
